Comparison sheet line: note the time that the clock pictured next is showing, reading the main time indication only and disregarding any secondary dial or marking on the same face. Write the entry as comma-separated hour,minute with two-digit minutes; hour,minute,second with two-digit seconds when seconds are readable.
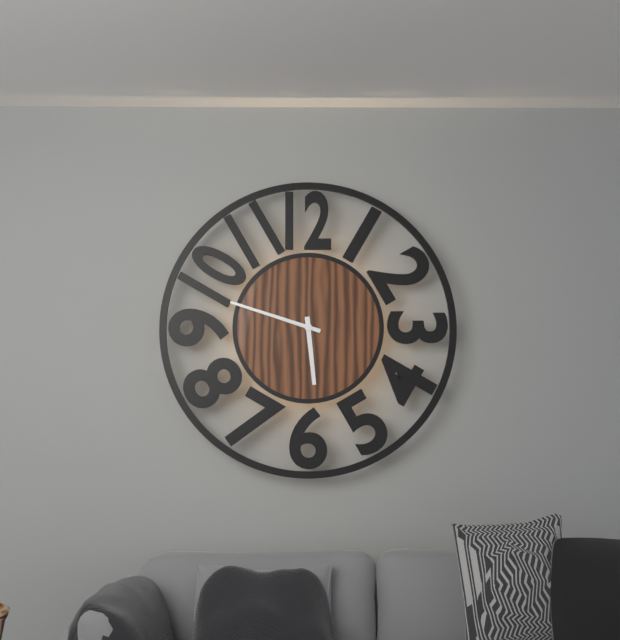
5,48
